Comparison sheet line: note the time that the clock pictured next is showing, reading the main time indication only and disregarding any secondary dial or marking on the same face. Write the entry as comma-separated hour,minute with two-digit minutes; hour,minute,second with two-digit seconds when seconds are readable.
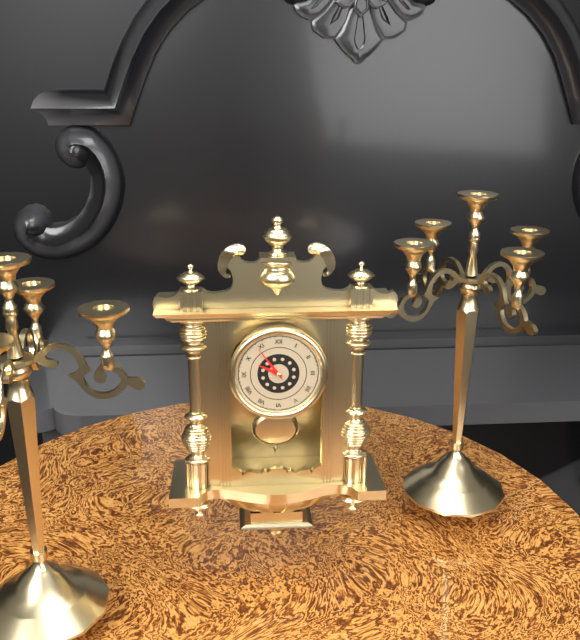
9,54
